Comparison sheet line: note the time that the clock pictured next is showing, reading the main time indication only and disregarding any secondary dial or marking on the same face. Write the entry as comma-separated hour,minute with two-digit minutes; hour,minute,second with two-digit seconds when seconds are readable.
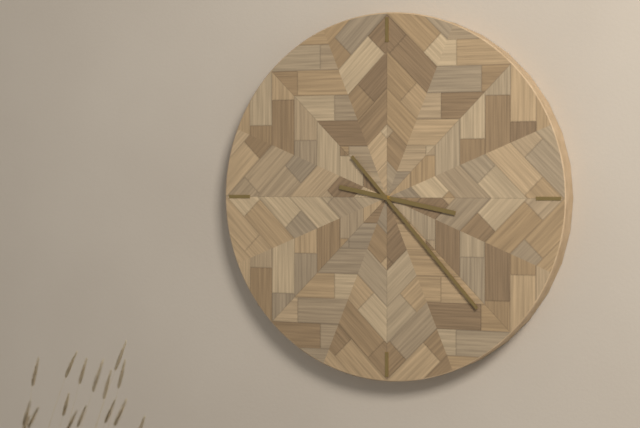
3,23
